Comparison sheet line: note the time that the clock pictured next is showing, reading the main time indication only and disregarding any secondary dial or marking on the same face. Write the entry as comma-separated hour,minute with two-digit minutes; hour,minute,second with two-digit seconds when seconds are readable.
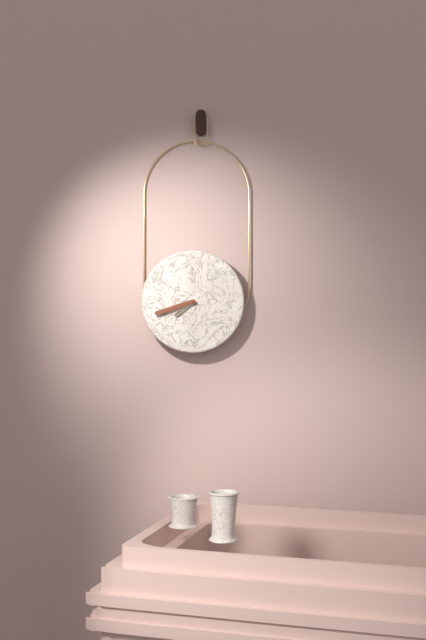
7,42
